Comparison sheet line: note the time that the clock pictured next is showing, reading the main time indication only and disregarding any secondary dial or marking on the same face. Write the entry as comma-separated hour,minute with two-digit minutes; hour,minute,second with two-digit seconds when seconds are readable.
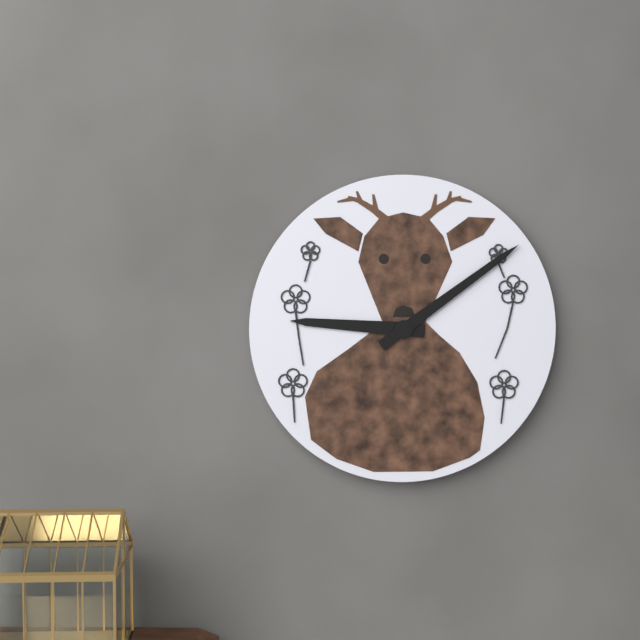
9,09
